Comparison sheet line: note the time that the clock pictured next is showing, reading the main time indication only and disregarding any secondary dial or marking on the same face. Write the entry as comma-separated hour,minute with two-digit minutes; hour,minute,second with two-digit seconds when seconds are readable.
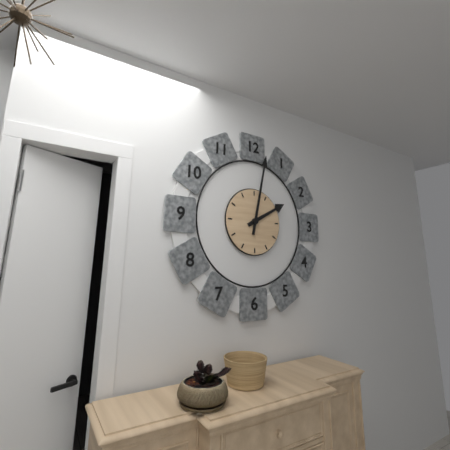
2,02
